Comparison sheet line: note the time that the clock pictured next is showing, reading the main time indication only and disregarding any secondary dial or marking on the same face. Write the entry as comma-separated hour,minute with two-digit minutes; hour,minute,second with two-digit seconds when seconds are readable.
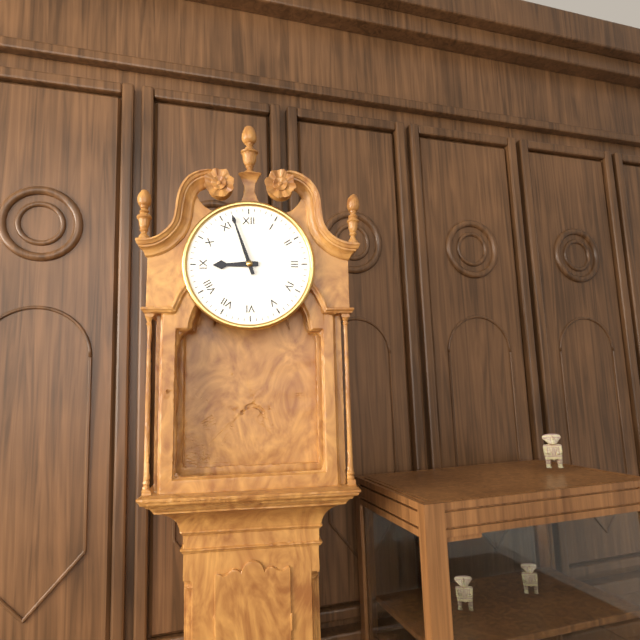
8,57
